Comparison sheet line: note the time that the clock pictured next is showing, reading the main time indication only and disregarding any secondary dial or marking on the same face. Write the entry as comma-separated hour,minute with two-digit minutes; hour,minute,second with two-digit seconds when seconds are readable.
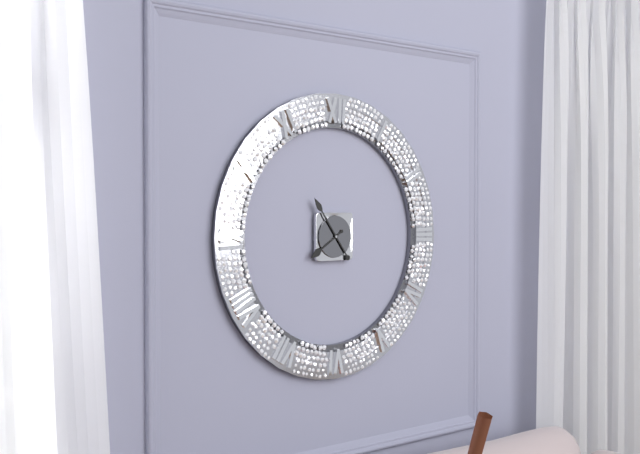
7,54
